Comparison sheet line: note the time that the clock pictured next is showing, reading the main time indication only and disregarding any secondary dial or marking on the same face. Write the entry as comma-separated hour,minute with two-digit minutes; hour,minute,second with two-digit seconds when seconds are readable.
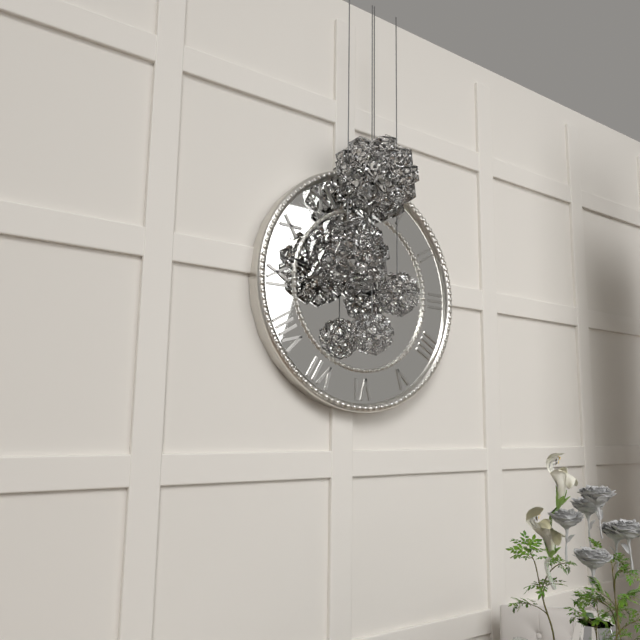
8,47
